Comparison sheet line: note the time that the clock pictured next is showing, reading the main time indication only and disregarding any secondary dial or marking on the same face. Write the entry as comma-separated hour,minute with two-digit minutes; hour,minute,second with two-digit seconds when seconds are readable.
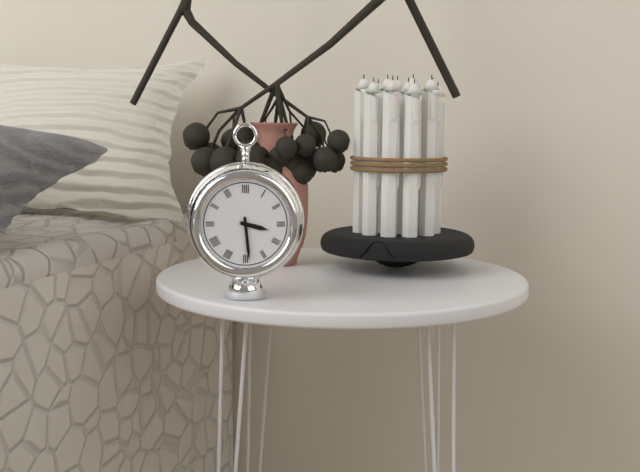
3,29
